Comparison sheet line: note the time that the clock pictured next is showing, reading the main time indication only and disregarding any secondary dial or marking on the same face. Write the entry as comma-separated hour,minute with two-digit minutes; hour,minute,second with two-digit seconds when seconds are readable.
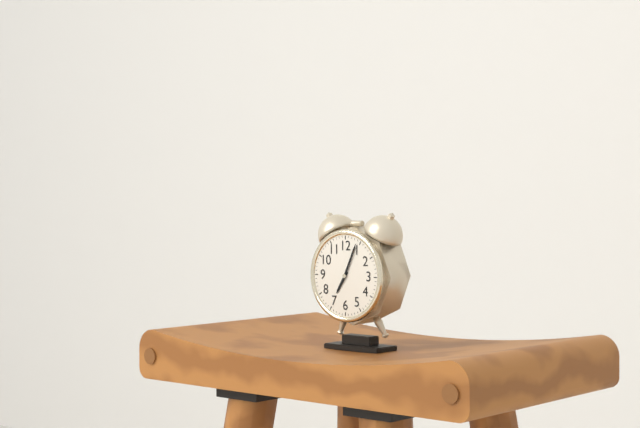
7,04
